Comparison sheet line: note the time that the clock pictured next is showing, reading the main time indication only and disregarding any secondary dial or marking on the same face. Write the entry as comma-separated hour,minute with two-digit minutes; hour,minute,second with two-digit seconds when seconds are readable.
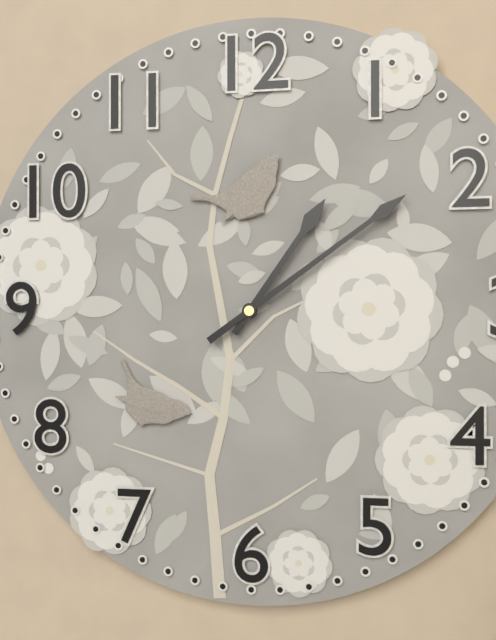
1,09
